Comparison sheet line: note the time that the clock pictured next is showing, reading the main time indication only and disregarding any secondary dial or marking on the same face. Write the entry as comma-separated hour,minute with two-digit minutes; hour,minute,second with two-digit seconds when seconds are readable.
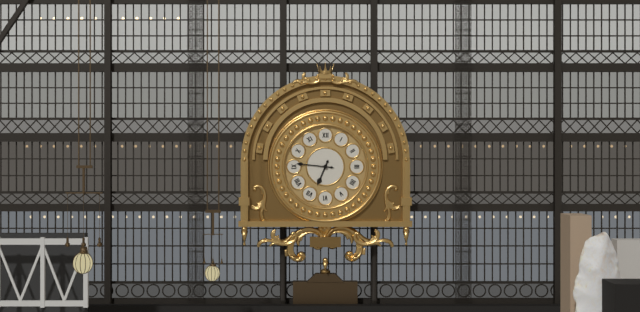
6,46
